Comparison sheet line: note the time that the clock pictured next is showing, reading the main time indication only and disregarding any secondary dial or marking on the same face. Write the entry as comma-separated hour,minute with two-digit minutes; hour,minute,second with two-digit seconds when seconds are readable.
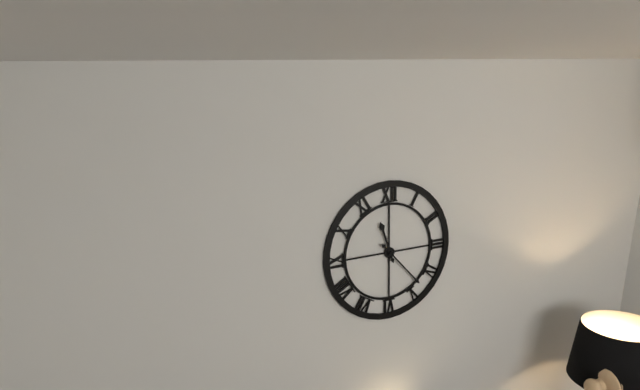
11,23
